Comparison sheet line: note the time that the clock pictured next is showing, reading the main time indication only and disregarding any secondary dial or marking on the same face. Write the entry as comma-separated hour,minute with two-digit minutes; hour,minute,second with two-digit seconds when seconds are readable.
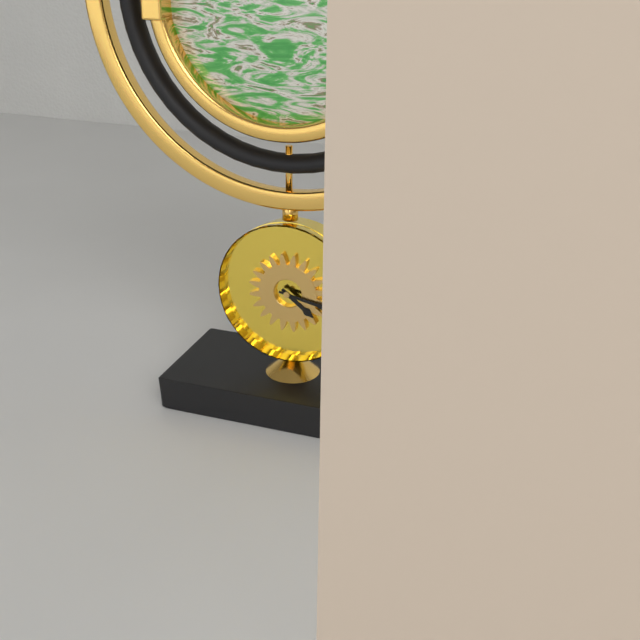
4,17
